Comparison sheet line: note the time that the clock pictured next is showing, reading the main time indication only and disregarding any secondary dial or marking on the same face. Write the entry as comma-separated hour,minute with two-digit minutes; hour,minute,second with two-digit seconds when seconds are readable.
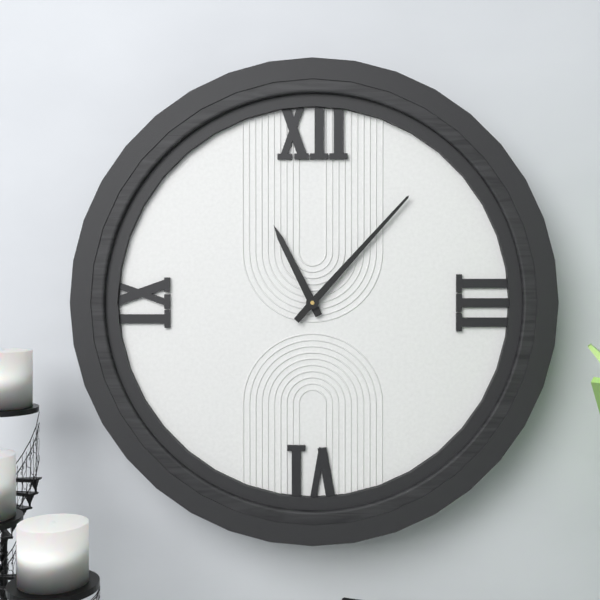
11,07
